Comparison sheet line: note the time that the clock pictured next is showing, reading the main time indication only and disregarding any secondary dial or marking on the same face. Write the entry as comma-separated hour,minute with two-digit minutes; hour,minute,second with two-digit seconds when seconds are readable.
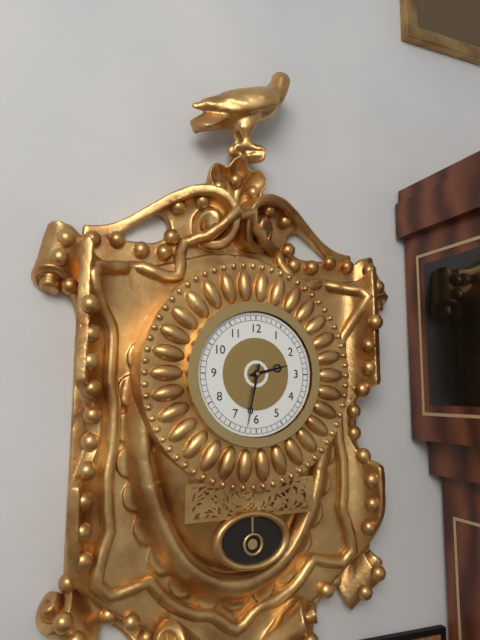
2,32
